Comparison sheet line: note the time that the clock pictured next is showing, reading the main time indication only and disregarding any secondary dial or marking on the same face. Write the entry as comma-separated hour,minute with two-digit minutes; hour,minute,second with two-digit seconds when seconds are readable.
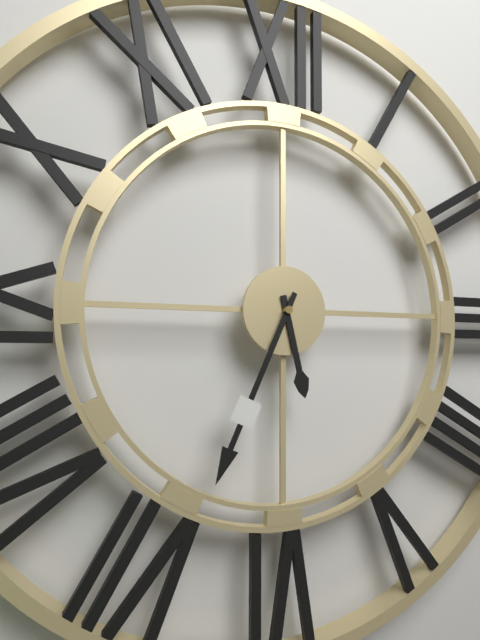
5,34
